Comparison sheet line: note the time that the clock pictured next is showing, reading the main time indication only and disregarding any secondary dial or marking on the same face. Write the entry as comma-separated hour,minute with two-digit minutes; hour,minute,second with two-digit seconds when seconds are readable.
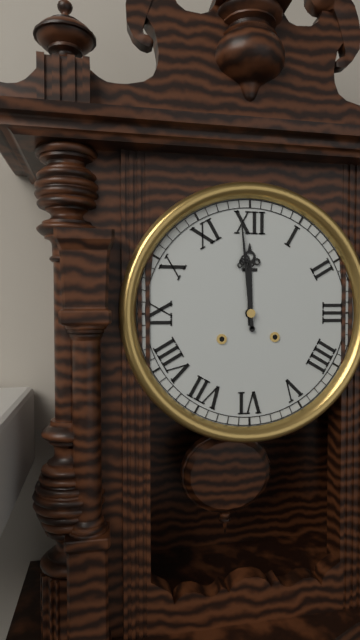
11,59
